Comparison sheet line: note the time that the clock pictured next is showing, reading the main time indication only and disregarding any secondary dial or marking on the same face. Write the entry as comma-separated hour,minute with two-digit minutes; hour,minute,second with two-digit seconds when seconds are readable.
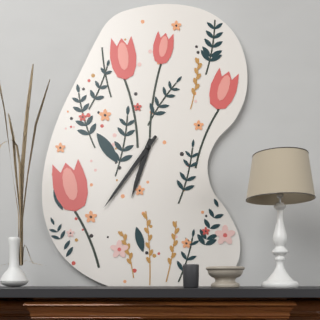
6,36
